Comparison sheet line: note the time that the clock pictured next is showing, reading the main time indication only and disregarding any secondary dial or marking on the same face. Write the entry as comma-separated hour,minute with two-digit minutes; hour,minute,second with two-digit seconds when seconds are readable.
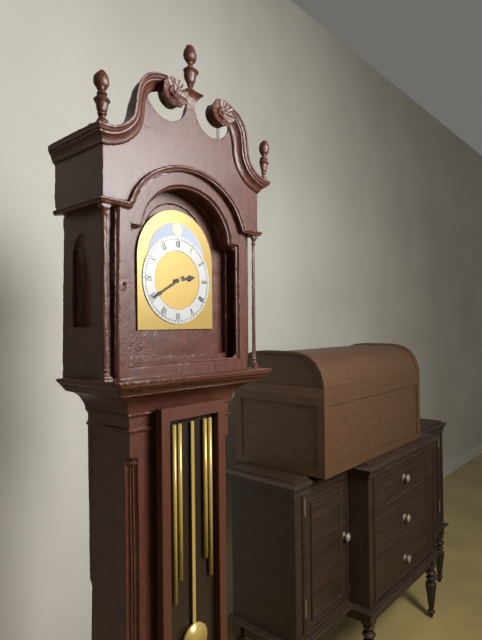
2,40
